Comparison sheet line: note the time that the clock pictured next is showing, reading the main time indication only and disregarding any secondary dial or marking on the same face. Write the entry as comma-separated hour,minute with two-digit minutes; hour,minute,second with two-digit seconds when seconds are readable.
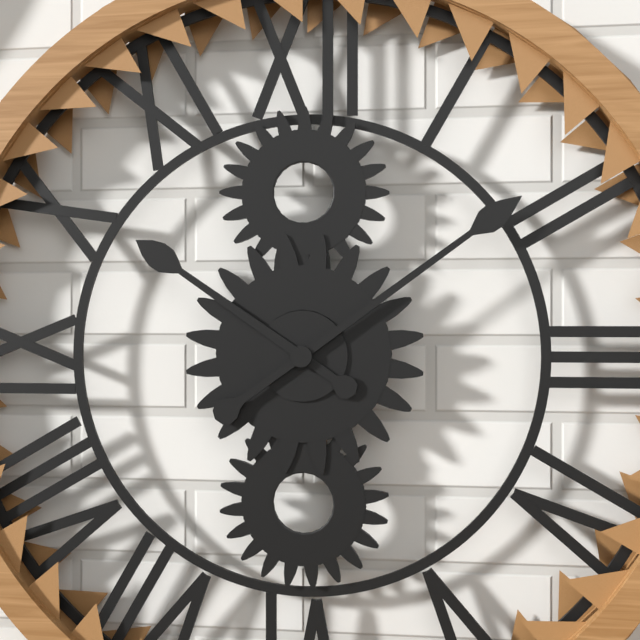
10,09
